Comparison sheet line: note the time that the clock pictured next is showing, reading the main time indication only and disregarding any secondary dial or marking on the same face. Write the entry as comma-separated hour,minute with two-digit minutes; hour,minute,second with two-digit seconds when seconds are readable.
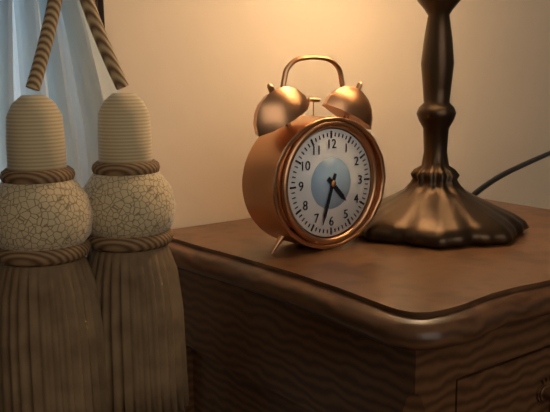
4,33
